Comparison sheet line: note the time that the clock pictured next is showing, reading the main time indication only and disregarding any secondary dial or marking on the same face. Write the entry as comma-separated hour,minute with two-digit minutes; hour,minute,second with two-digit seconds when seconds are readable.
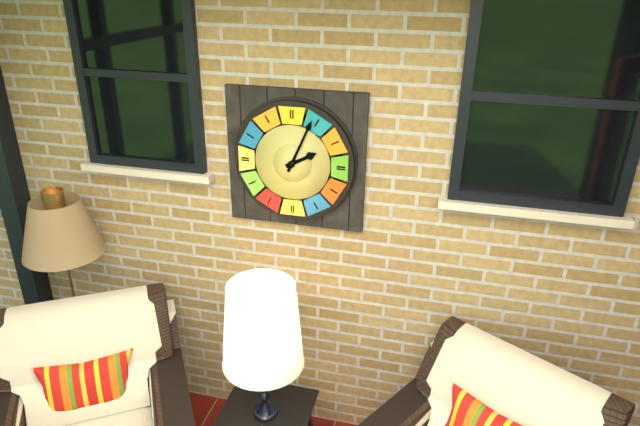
2,04
